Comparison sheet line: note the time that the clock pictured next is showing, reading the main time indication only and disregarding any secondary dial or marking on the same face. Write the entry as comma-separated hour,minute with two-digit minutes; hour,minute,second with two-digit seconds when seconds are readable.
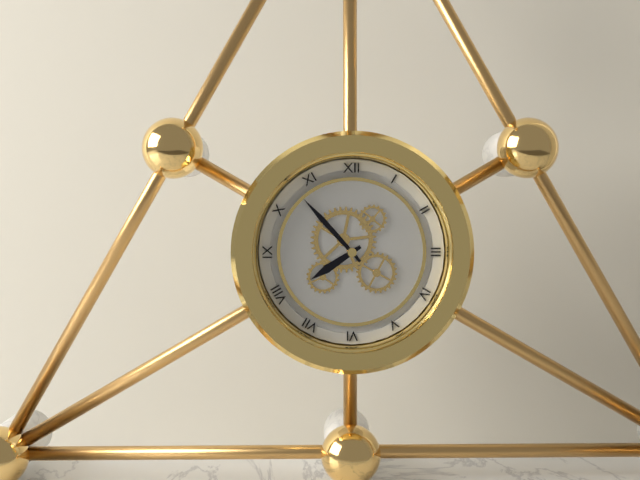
7,53
